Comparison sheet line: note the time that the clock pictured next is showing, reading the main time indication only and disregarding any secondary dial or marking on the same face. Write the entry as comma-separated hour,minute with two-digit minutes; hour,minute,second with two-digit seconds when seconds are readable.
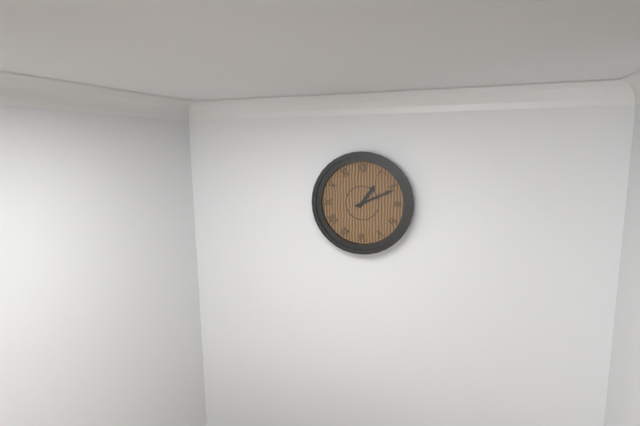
1,11
